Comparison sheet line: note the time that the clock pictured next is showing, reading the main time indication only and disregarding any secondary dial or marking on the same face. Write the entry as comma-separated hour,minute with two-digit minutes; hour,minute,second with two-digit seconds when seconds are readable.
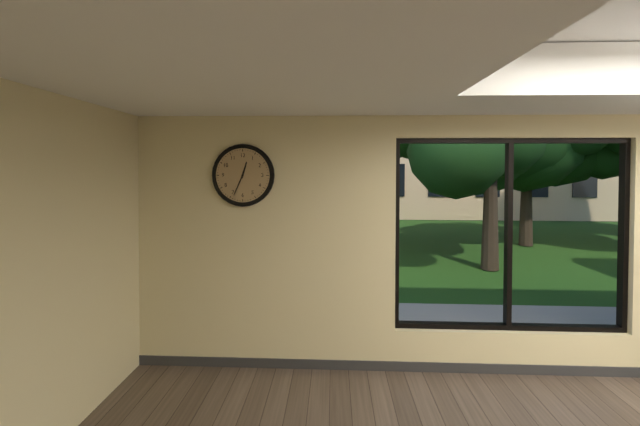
12,34
